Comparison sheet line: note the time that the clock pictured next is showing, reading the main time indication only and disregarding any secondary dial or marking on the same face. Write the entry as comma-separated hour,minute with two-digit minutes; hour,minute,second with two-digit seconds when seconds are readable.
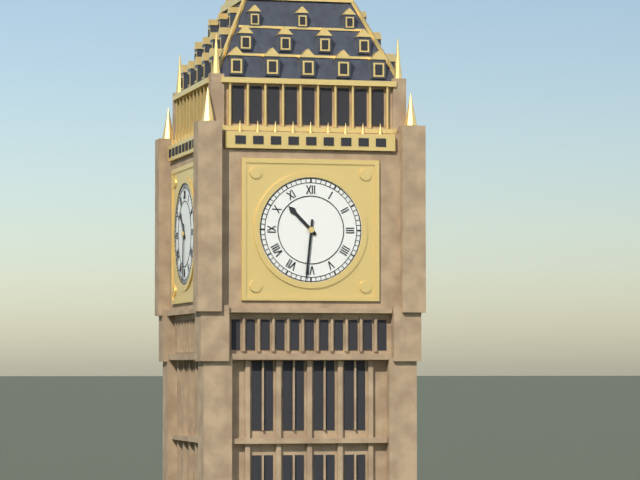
10,31
